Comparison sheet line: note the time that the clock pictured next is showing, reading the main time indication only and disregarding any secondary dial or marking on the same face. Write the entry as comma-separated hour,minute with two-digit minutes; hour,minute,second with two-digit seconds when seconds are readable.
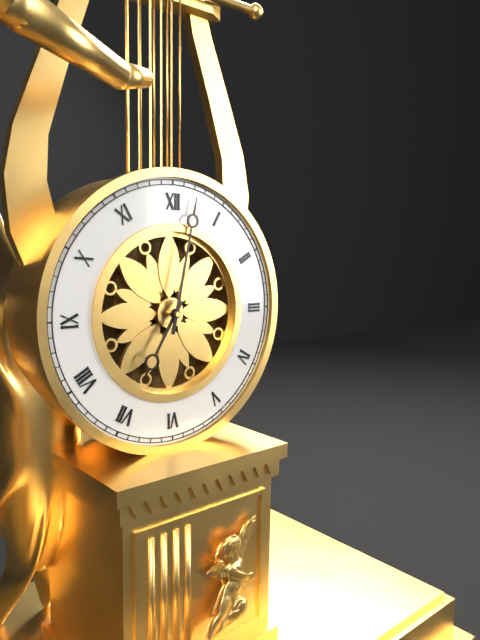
7,02
